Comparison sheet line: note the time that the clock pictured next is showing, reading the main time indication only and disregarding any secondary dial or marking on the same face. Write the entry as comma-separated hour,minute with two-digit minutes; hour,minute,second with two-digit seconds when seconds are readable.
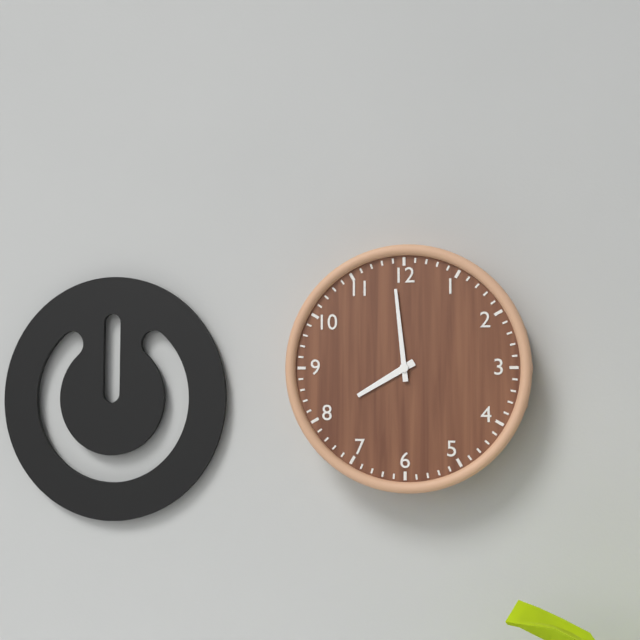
7,59
